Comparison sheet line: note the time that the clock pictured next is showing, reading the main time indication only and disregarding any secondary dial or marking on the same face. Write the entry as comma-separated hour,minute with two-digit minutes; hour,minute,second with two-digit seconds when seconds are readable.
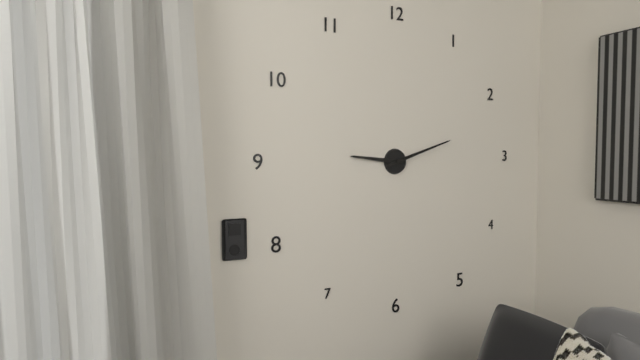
9,12
